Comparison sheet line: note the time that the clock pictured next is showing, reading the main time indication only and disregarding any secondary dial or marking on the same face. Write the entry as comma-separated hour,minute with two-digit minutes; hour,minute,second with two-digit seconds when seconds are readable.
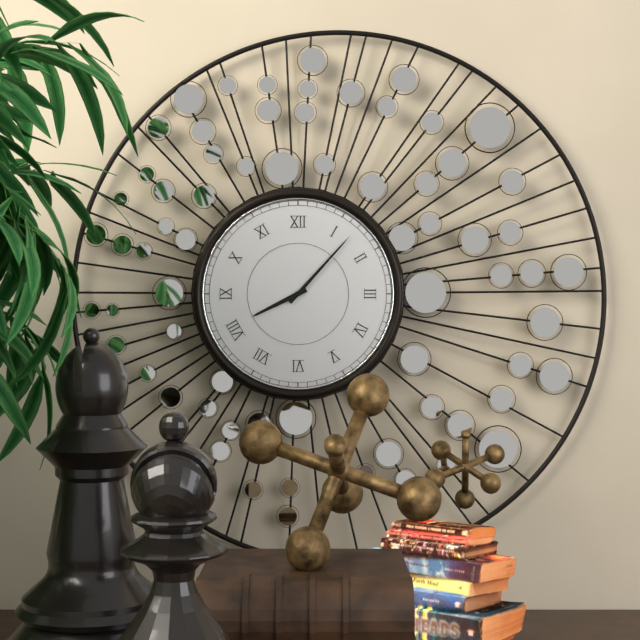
8,07
